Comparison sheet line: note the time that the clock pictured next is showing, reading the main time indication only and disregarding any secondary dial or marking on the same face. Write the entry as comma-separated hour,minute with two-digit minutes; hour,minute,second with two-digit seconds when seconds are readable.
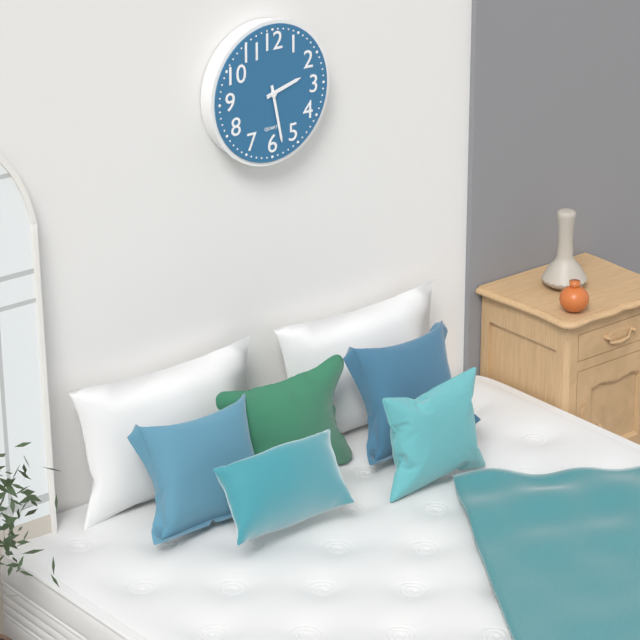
2,28
